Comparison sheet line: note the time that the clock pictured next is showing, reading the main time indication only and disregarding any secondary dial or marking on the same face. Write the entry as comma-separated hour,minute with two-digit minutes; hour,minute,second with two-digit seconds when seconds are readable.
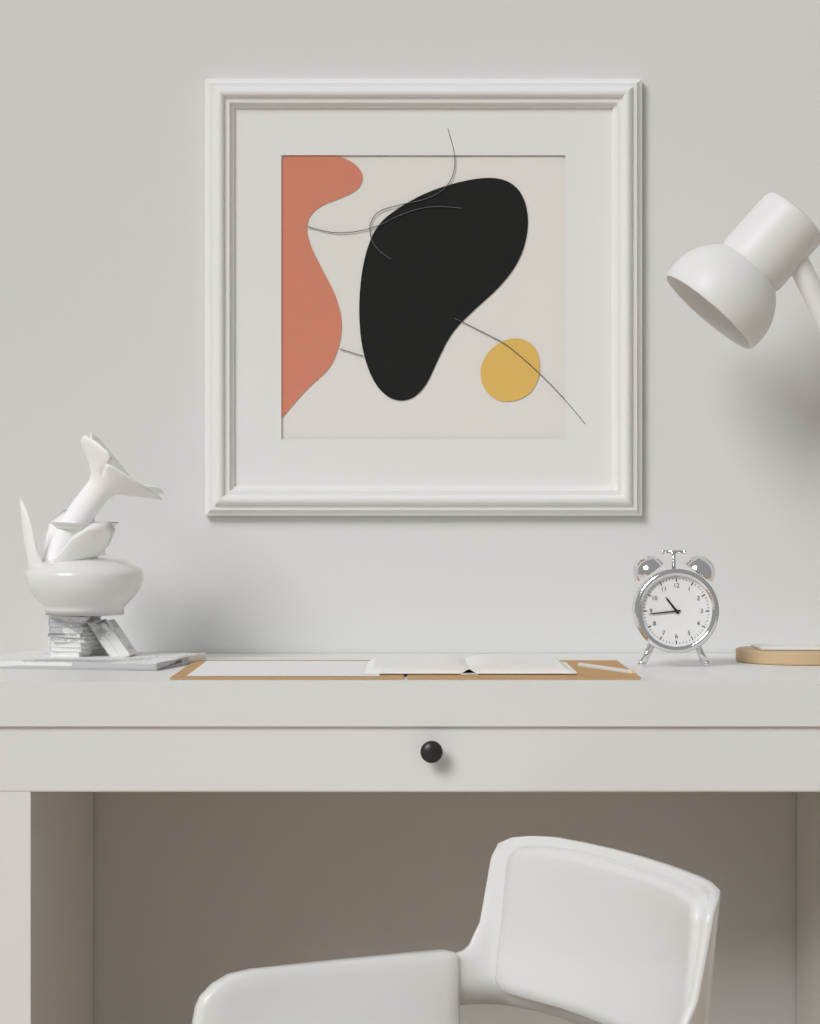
10,44
